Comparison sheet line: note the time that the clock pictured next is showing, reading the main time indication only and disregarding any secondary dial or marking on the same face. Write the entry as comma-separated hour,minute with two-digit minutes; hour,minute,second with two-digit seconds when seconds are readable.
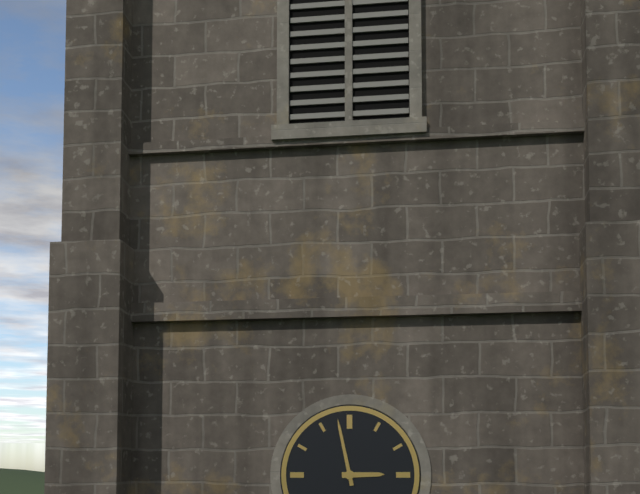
2,58
